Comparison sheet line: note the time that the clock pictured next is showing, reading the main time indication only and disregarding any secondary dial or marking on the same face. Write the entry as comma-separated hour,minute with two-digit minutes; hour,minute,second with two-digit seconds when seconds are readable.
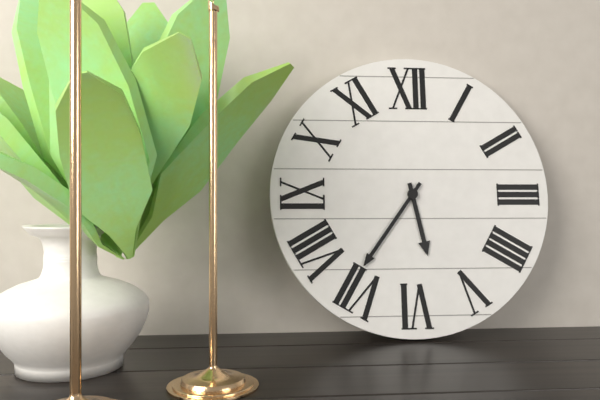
5,36
